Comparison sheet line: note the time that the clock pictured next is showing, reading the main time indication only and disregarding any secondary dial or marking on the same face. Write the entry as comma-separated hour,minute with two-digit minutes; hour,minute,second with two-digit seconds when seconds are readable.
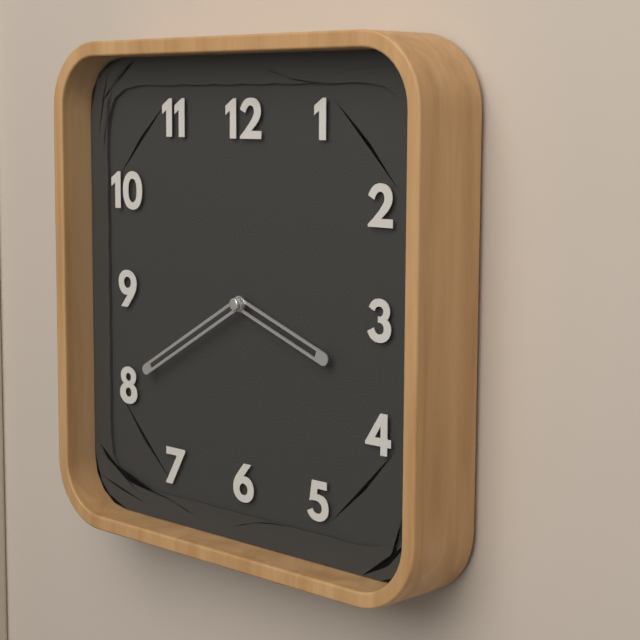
3,40
